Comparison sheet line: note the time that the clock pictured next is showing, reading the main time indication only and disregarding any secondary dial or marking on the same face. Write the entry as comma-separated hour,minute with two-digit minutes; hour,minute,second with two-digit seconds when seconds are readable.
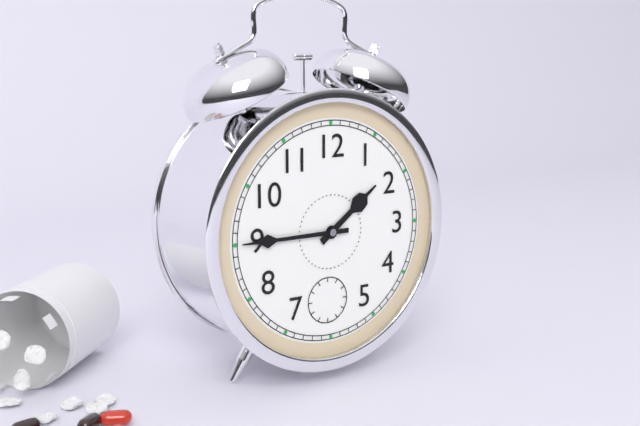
1,45
